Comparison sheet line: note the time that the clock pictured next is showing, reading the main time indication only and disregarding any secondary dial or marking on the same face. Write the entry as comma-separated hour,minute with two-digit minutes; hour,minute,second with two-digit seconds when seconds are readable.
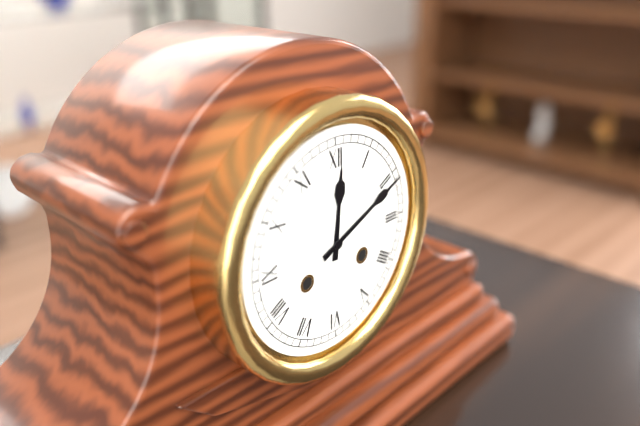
12,11
